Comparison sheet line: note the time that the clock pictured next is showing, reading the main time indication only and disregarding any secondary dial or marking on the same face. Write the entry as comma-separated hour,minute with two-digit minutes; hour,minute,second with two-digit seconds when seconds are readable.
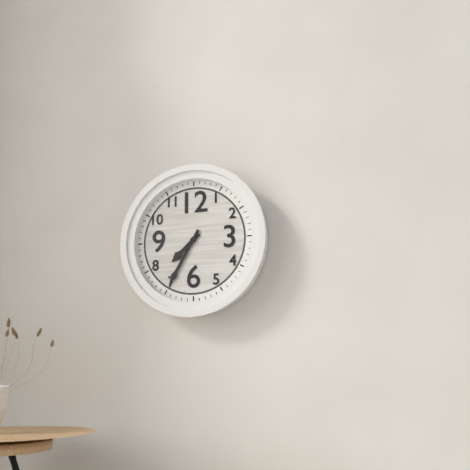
7,35
